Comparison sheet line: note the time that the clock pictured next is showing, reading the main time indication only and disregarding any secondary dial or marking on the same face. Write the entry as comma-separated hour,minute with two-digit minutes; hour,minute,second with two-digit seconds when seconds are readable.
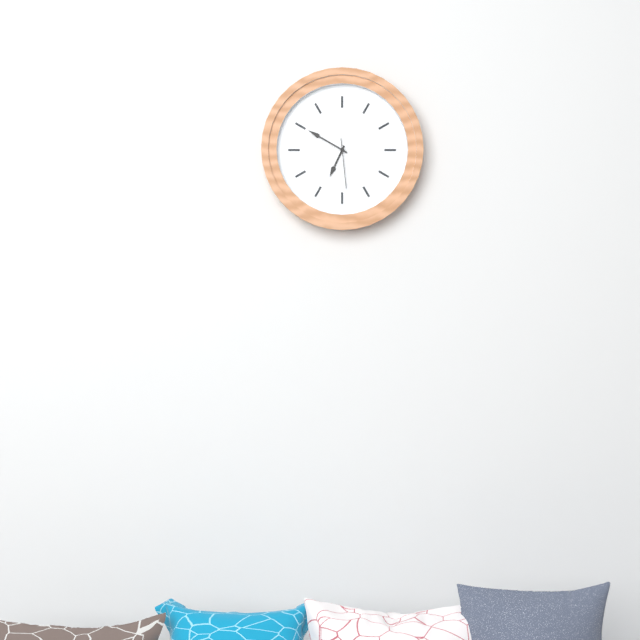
6,50
